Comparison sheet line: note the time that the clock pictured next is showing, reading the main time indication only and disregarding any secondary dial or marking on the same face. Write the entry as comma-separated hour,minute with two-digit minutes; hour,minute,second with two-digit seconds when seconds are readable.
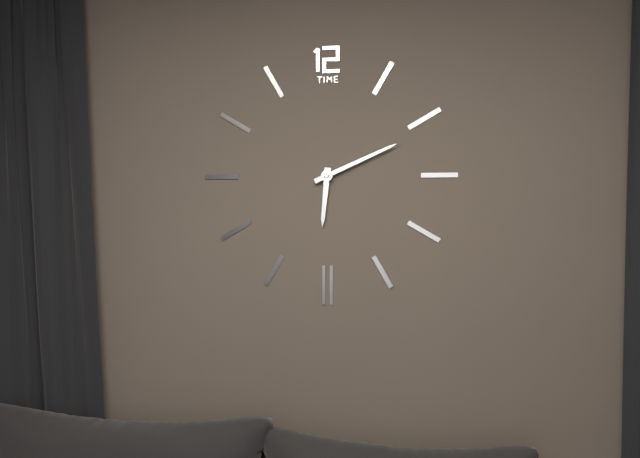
6,11
